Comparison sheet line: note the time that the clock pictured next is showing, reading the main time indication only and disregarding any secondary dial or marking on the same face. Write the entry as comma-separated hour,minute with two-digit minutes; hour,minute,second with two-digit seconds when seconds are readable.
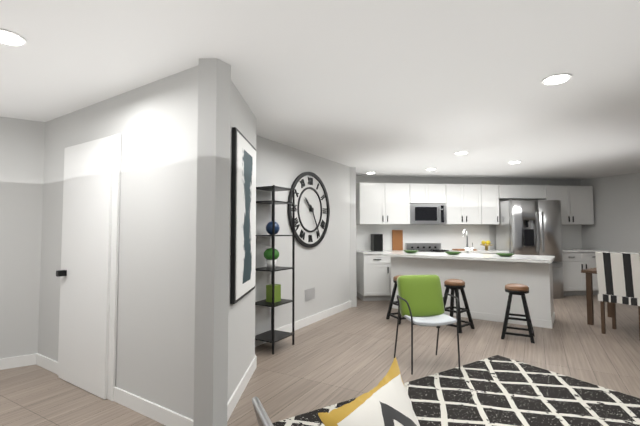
10,25
